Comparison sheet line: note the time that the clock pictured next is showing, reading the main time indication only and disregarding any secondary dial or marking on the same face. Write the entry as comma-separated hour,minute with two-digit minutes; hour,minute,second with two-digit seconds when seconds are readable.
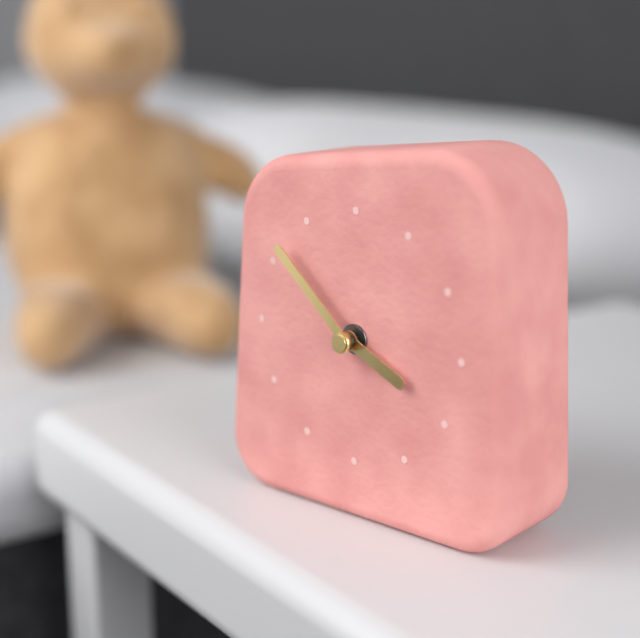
3,52
